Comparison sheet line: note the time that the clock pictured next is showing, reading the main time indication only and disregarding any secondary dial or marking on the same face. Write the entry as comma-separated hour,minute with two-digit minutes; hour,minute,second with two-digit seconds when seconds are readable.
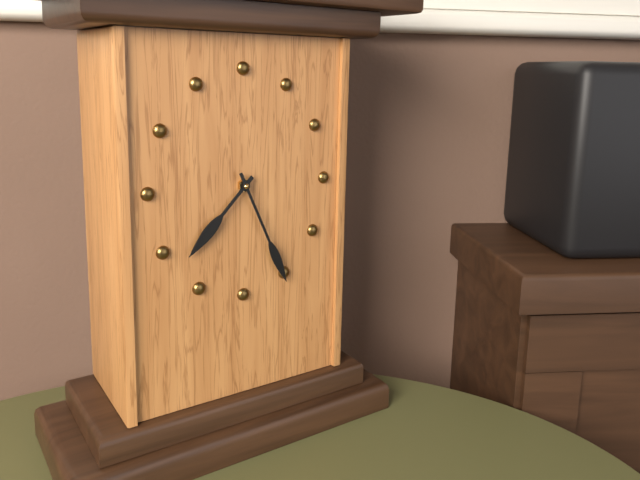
7,26
